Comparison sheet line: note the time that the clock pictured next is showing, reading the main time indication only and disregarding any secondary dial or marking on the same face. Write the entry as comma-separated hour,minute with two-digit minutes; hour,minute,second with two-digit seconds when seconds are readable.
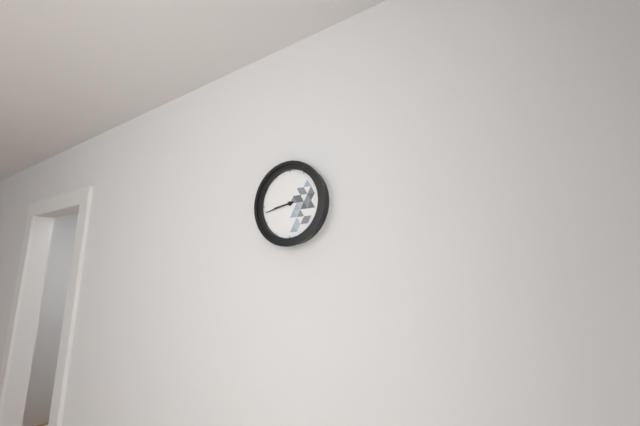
8,43
